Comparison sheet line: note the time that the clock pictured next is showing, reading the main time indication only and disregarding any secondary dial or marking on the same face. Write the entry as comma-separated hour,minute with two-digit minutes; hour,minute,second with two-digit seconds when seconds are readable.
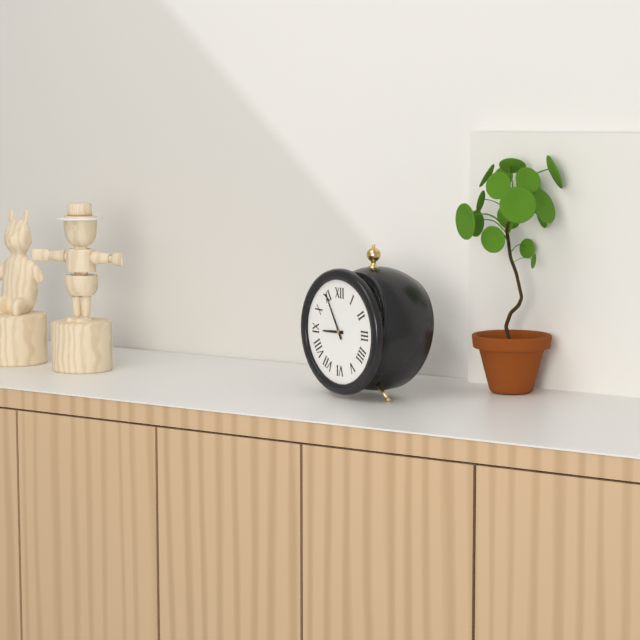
8,55
